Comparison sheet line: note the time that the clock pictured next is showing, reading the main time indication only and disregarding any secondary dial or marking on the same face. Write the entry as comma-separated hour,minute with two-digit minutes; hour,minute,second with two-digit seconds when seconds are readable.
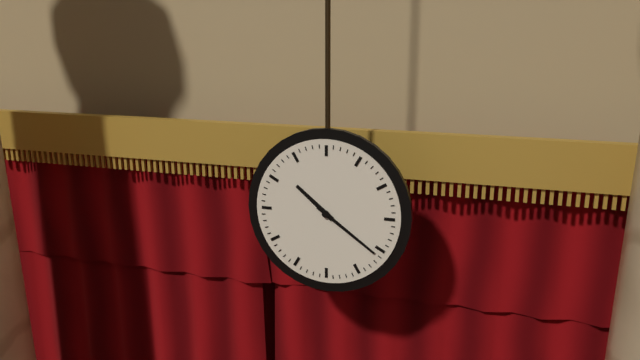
10,21
